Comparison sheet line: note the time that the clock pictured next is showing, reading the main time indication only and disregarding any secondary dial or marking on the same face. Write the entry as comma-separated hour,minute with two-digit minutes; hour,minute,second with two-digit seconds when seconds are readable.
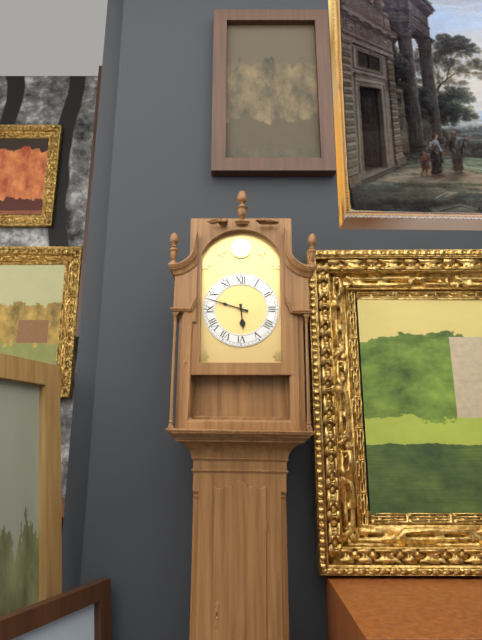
5,48
